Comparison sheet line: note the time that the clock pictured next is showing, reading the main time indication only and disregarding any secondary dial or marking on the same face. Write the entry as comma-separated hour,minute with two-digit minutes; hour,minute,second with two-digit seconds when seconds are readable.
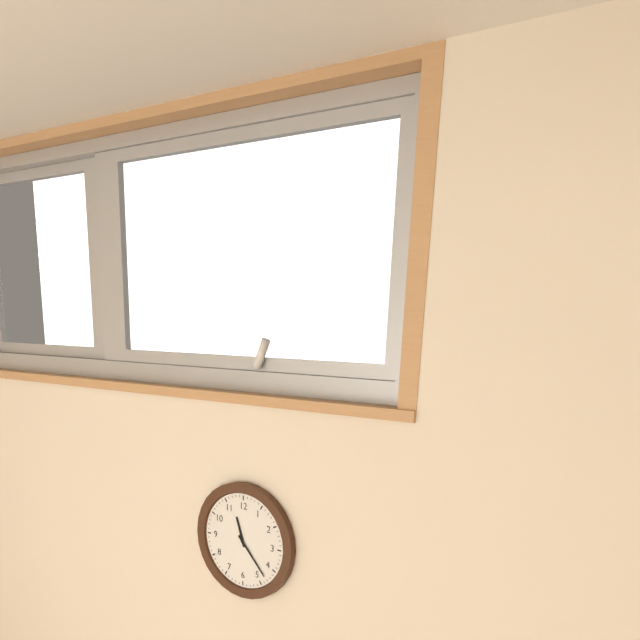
11,23
